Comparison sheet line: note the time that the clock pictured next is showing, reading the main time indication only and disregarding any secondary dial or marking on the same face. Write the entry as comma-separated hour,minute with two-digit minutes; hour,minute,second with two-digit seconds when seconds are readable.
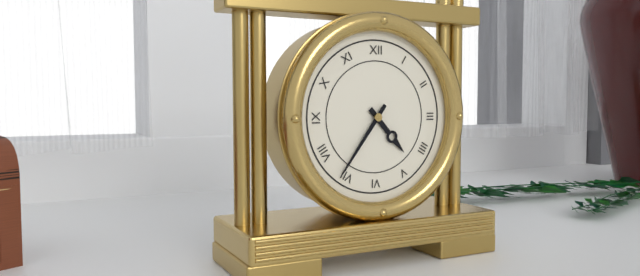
4,36
